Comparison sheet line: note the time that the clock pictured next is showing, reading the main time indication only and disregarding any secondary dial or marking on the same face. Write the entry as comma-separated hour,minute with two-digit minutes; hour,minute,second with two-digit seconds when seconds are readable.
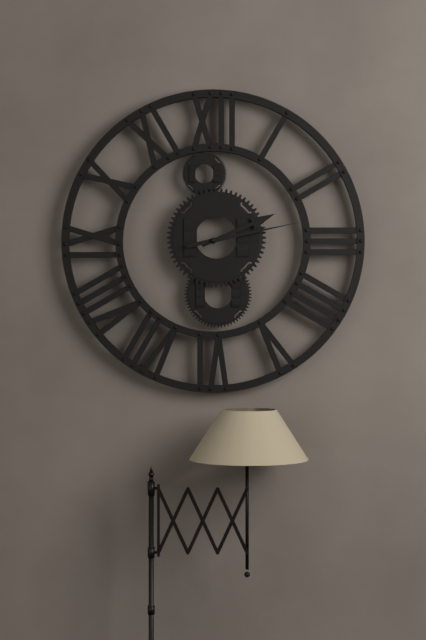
2,13
